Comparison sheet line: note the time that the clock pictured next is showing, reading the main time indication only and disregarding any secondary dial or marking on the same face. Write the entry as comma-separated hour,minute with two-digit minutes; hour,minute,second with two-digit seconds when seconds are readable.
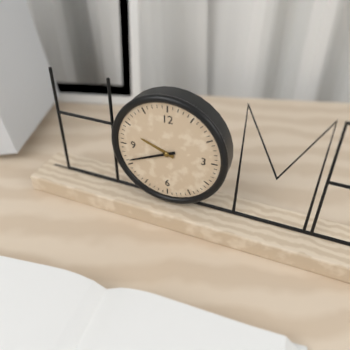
9,41
